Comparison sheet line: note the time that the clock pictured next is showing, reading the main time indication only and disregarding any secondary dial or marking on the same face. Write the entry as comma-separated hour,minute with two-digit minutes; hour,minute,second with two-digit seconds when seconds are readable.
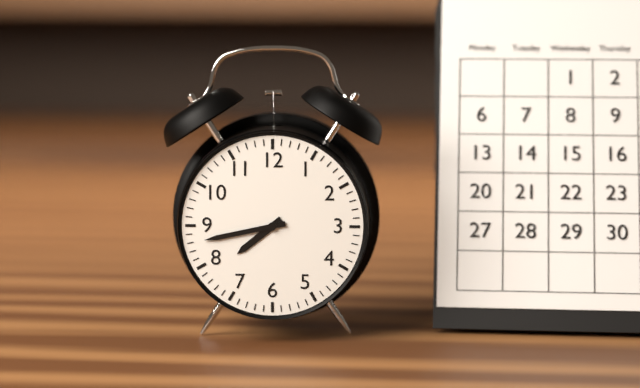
7,43
